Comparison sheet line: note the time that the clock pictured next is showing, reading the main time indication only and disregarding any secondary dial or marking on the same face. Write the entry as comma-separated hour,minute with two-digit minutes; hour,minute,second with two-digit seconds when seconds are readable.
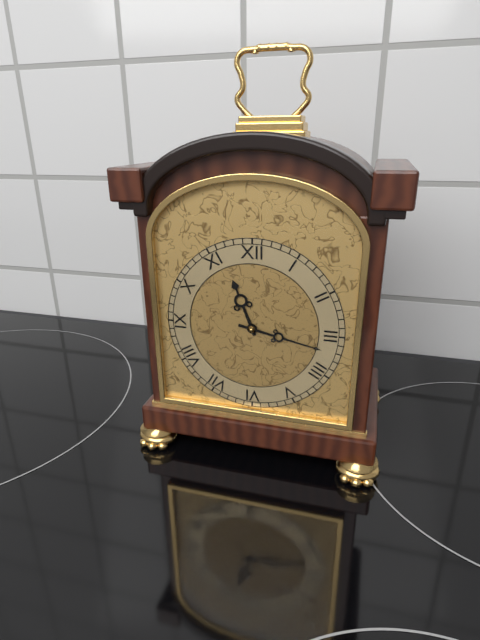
11,17
